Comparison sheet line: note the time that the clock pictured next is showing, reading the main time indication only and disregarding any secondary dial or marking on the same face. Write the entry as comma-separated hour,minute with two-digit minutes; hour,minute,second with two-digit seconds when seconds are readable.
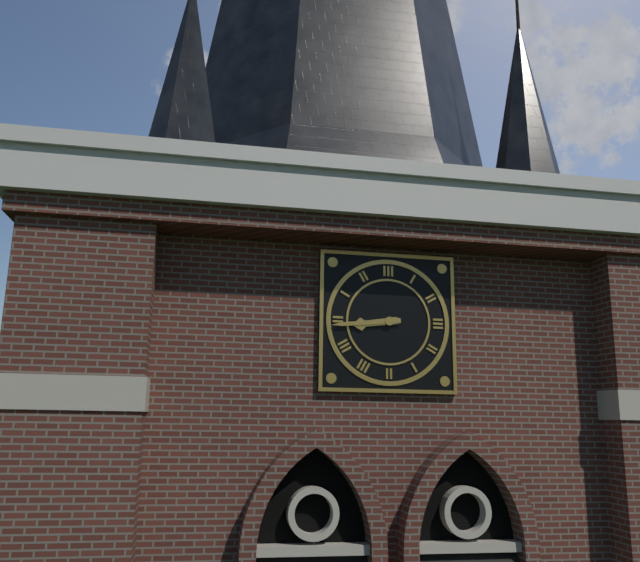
8,44
